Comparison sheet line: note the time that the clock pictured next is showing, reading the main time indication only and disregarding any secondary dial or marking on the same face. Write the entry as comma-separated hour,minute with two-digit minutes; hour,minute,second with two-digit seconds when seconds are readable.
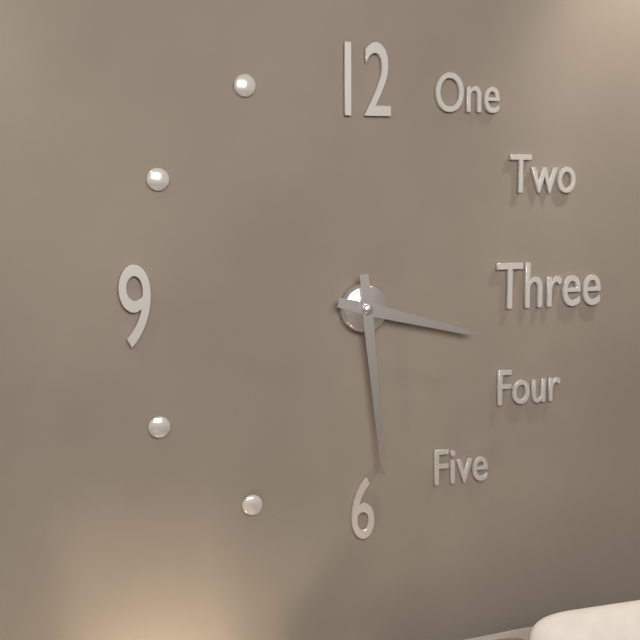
3,29
